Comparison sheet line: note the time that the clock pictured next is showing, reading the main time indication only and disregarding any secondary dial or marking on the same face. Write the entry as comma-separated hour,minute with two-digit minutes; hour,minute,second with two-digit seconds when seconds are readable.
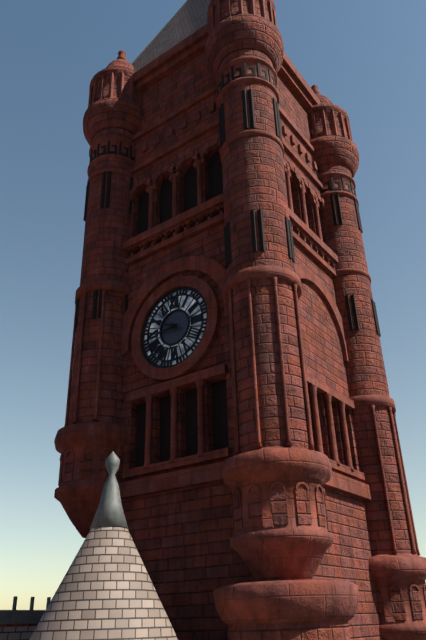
8,50
